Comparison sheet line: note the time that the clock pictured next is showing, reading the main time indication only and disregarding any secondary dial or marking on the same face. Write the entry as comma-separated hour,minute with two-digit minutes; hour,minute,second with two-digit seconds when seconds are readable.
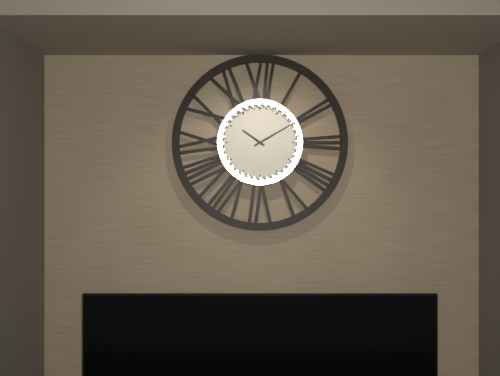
10,10
